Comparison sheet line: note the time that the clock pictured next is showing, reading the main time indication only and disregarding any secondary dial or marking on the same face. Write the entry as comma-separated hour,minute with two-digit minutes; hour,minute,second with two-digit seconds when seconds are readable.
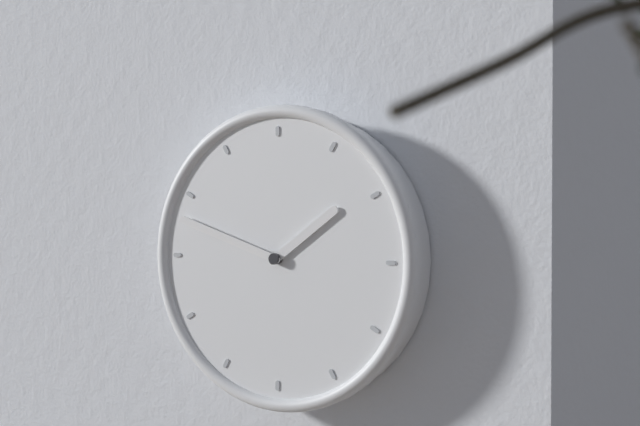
1,48
